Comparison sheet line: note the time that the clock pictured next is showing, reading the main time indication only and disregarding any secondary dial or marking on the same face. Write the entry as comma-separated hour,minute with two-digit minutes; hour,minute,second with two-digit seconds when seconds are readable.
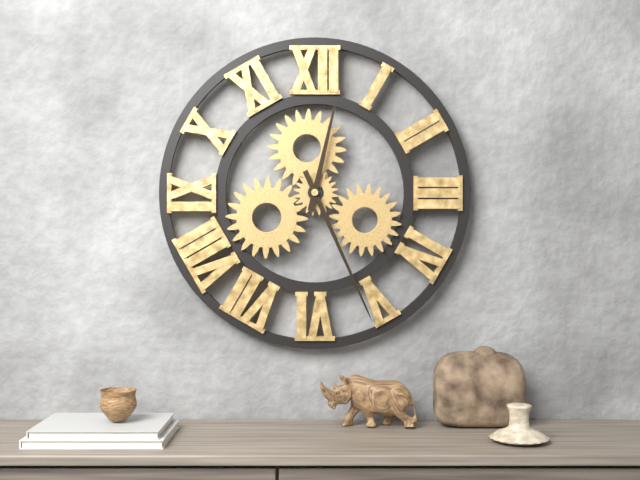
12,26
